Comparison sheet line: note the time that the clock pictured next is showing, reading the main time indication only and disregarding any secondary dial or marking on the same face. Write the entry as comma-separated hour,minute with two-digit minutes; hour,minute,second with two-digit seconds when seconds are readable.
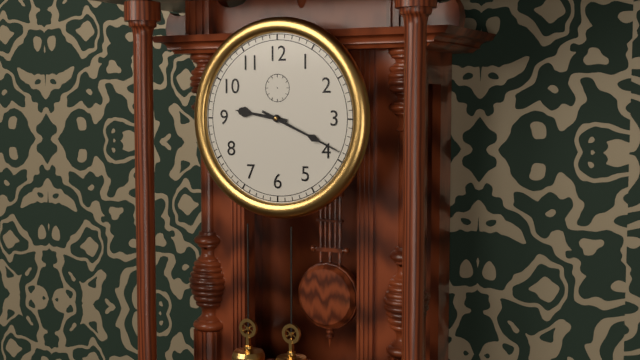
9,19
